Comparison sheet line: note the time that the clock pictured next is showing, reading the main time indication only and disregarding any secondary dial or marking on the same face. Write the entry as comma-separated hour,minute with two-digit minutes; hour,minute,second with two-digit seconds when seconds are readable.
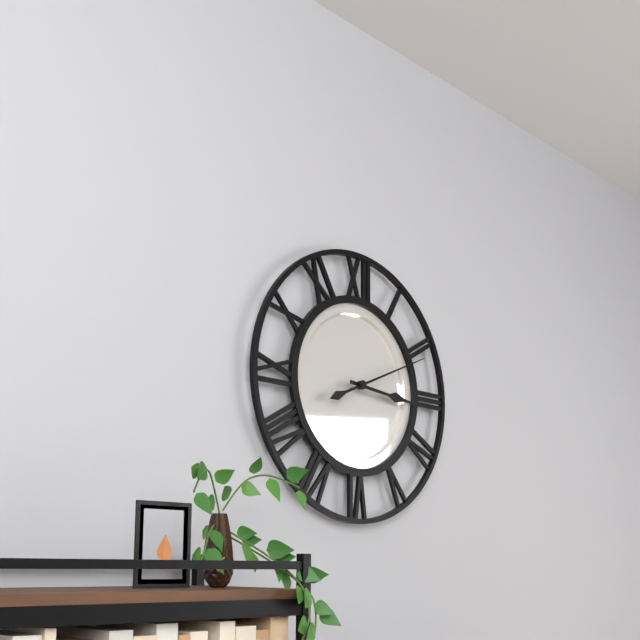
3,11
